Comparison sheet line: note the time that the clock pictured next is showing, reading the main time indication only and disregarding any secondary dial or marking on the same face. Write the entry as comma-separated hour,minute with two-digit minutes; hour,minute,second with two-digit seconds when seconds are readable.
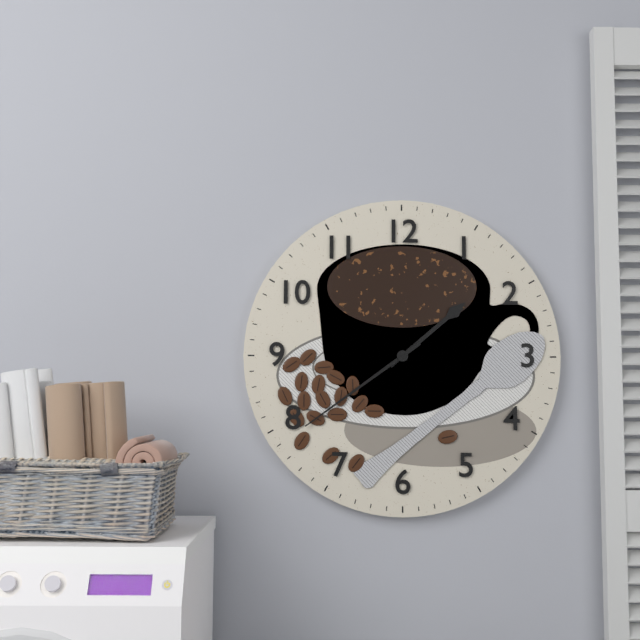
1,39
